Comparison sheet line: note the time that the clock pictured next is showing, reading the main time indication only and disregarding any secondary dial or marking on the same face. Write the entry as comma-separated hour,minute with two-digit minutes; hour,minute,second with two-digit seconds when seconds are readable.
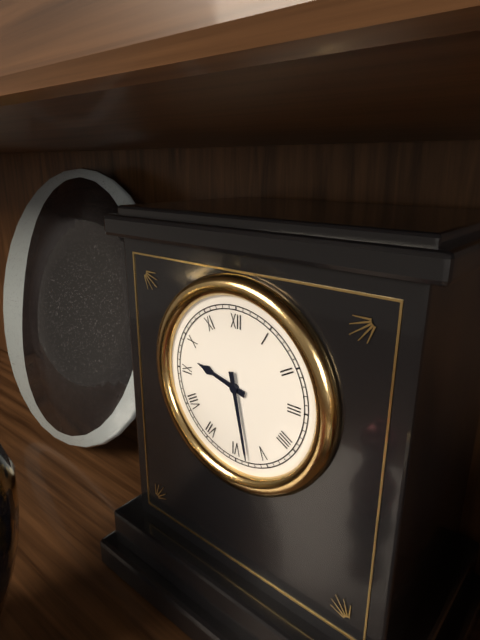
9,28
